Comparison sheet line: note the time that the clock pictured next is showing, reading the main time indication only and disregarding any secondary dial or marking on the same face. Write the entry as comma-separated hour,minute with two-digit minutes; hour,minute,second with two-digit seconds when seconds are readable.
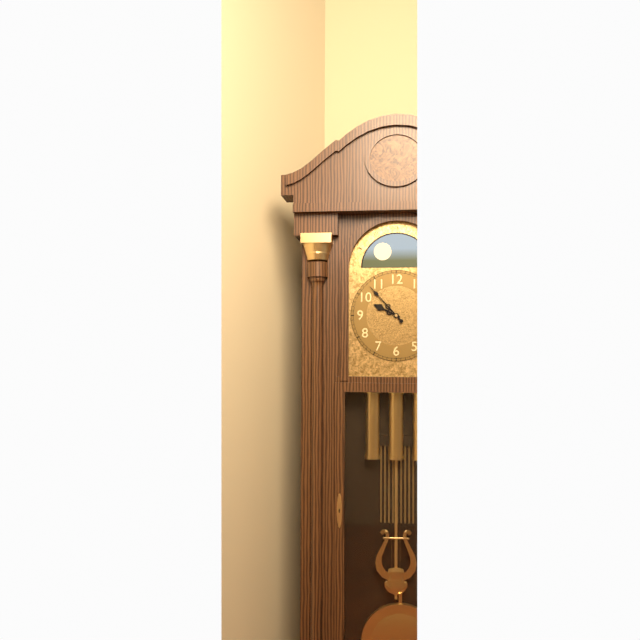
9,53
